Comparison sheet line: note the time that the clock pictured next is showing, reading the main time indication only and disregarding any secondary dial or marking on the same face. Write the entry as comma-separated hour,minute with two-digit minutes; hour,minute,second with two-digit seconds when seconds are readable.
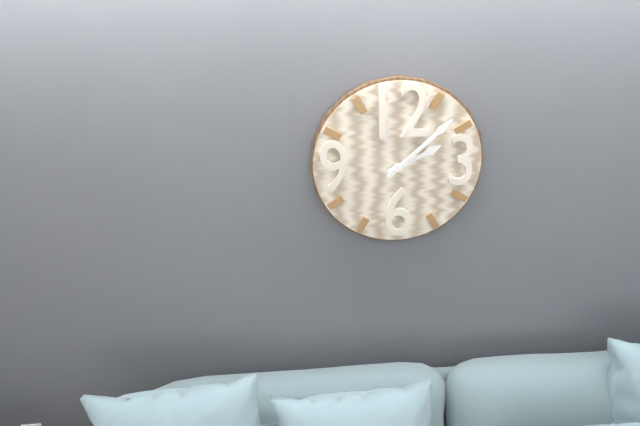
2,08
